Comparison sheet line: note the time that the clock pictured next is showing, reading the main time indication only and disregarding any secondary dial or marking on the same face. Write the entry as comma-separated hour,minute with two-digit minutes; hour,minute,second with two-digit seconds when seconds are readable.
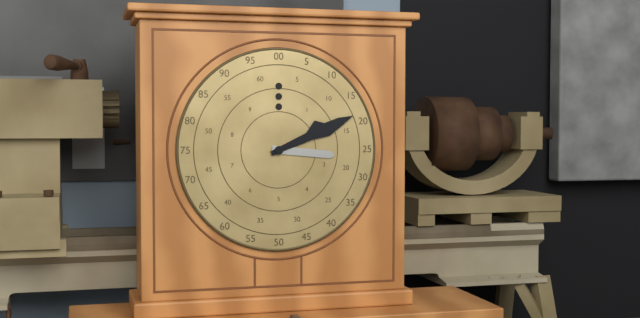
3,11
